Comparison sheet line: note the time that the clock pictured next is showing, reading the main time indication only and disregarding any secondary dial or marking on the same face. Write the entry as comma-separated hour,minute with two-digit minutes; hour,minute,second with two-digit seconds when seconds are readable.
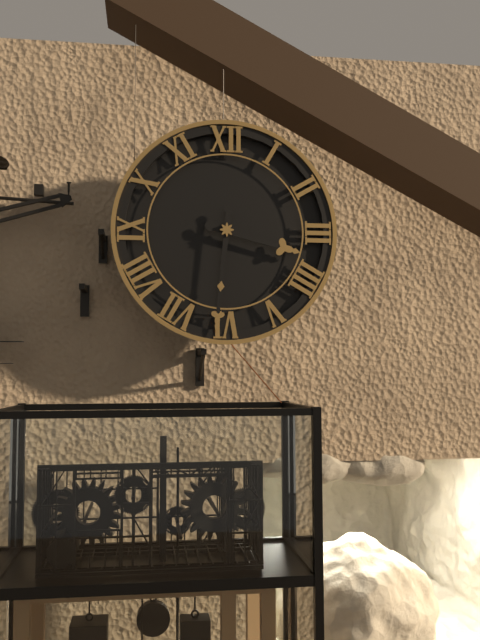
3,31
